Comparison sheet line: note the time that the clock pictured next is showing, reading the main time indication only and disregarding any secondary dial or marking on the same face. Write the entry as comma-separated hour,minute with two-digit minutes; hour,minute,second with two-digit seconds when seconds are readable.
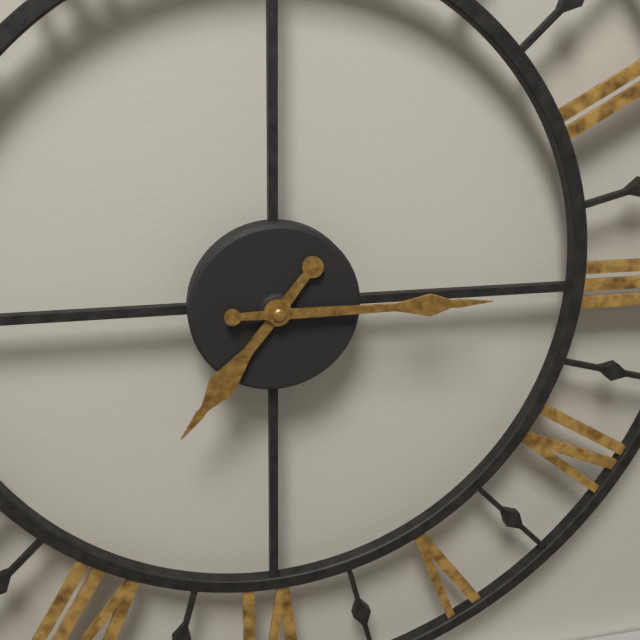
7,15
